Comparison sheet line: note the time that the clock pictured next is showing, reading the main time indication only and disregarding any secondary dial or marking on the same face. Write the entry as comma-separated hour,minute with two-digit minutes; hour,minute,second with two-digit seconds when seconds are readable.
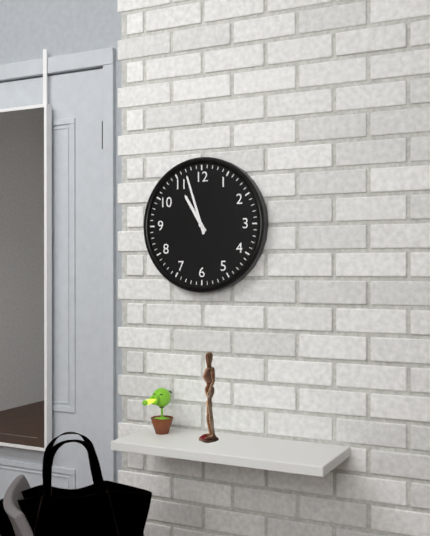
10,57
